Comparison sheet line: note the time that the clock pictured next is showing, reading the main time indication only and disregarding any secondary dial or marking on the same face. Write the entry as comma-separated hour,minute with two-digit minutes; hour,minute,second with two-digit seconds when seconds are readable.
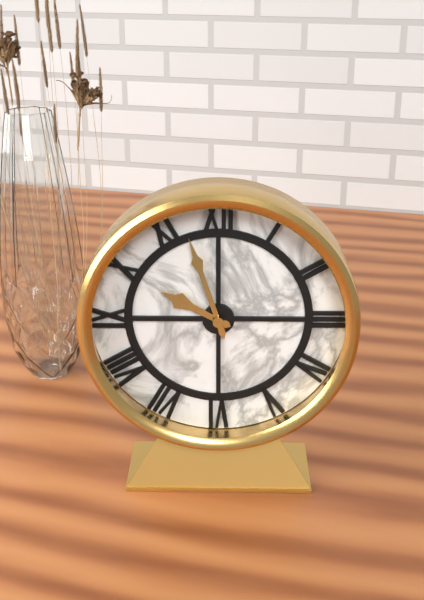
9,57
